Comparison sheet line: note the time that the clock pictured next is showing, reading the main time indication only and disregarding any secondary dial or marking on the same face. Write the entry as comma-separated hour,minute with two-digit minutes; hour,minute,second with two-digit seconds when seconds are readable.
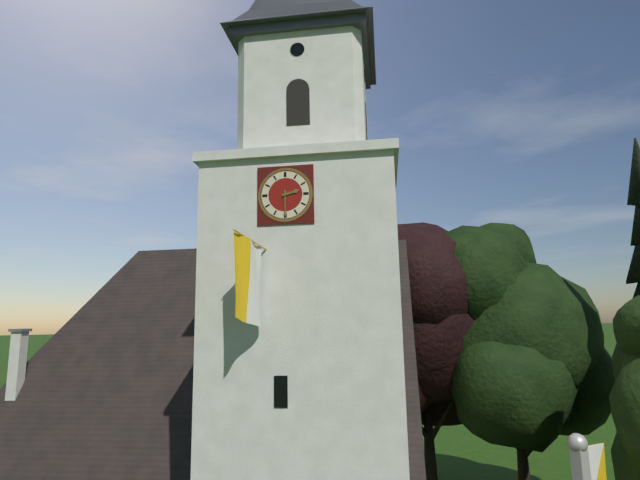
2,30
